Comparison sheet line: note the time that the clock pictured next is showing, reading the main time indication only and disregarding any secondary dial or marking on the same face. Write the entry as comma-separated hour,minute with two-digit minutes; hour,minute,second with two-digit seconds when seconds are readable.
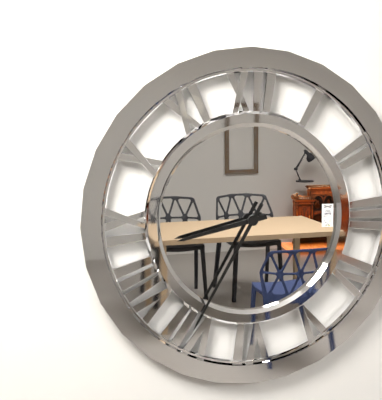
8,35
